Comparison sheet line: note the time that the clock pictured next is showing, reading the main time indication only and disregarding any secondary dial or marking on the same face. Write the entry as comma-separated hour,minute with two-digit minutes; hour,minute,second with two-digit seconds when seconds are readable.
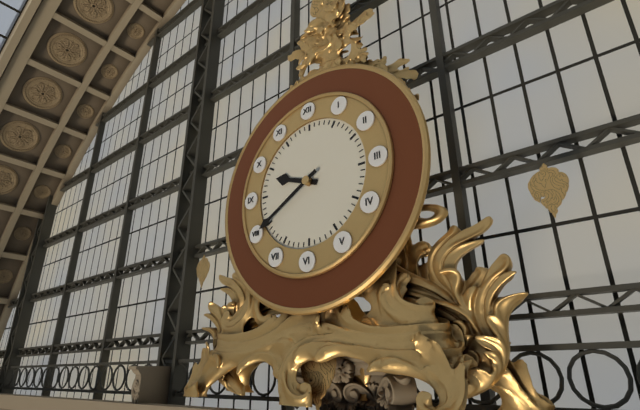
9,40
